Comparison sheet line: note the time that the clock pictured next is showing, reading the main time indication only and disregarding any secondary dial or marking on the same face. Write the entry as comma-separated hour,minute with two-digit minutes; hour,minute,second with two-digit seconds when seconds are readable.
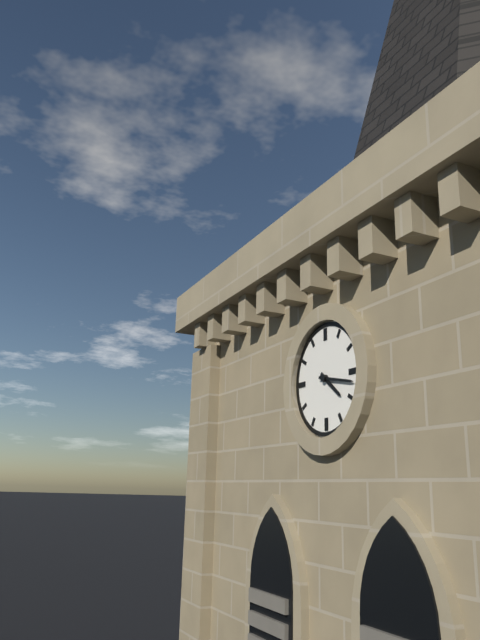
4,17
